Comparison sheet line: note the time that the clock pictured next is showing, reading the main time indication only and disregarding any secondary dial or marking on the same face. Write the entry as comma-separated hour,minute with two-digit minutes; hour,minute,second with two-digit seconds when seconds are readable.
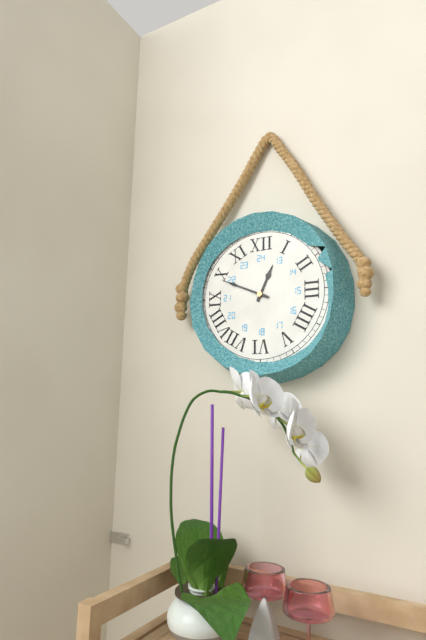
12,49
